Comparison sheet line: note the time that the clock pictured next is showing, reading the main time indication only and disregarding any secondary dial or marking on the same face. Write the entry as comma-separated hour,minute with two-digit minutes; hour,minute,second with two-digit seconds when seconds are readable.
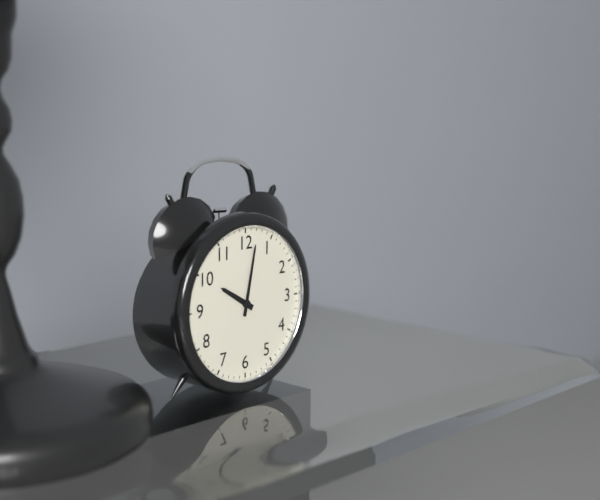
10,02
